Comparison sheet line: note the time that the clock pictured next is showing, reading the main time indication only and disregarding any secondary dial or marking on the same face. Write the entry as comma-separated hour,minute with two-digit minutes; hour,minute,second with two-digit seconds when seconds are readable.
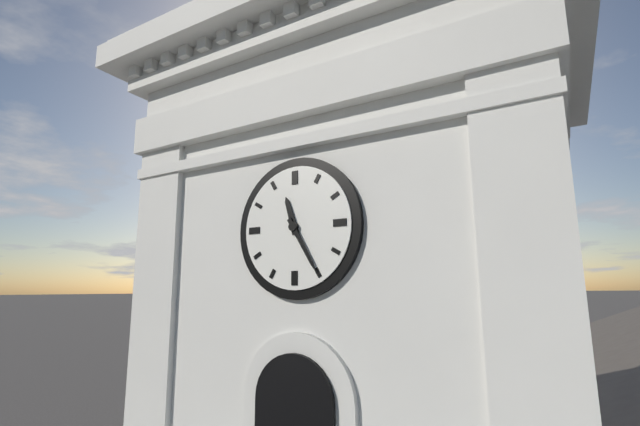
11,25
